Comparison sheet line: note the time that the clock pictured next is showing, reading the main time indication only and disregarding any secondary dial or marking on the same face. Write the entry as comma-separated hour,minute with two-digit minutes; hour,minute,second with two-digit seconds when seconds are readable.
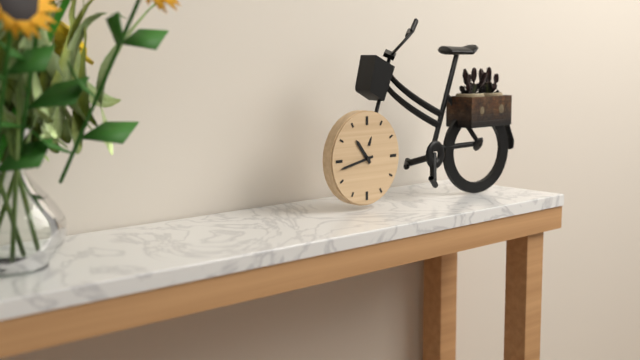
10,43
